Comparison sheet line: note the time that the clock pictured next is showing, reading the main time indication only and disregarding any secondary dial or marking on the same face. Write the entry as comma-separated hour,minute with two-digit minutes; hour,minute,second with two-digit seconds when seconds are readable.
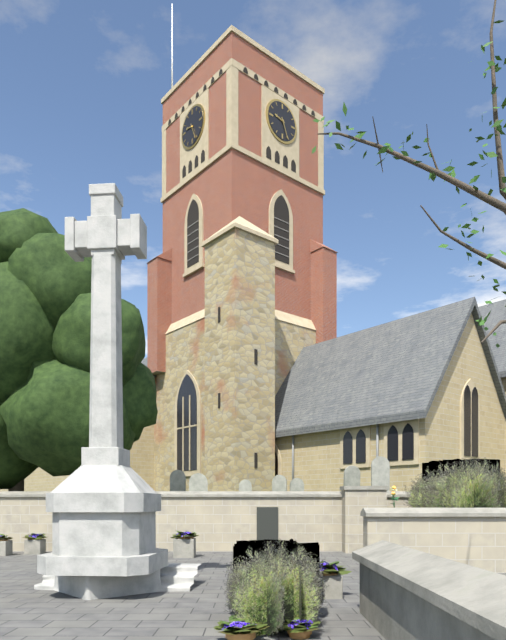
9,26
